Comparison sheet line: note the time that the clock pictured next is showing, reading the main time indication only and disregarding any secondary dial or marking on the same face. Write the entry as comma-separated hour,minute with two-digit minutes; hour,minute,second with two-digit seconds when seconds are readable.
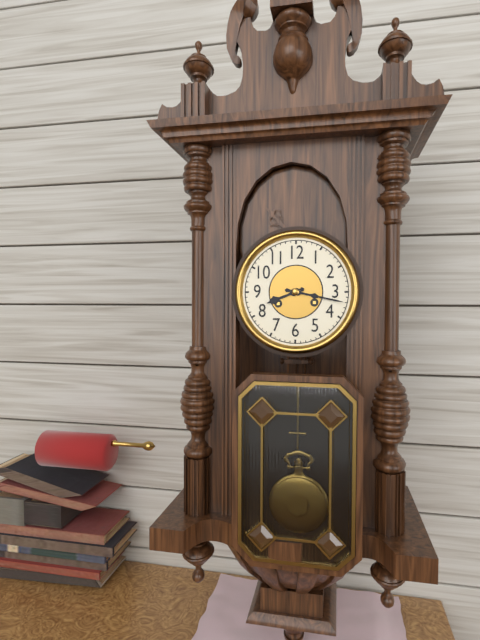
8,17
